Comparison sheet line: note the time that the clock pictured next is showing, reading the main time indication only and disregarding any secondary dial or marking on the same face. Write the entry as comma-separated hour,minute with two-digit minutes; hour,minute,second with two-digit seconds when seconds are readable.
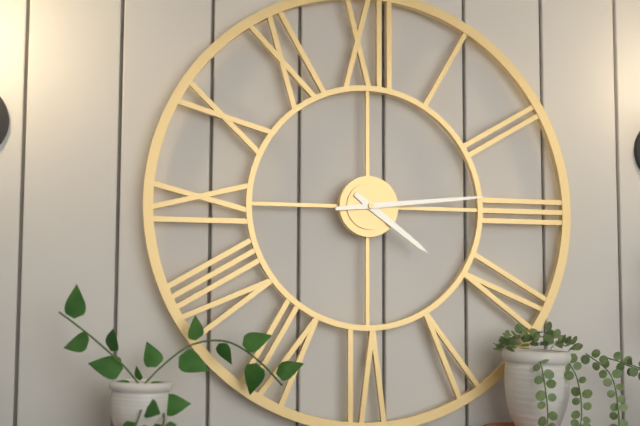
4,14
